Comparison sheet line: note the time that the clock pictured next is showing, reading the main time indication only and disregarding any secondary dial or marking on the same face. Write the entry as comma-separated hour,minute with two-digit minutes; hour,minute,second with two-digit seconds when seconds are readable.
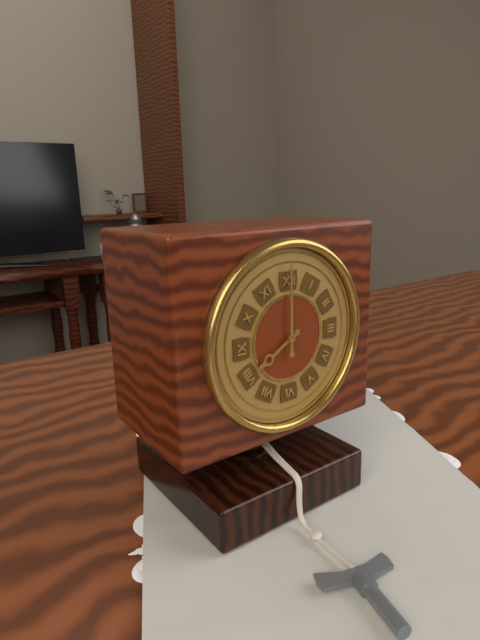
8,00
